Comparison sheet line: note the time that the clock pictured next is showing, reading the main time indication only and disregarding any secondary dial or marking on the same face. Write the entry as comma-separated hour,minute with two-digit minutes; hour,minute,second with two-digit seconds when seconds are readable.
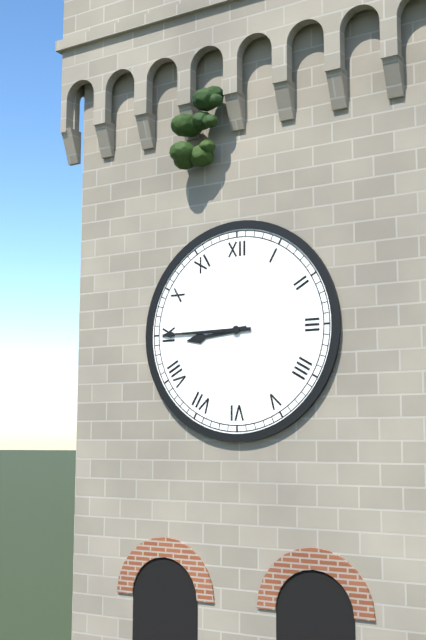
8,45
